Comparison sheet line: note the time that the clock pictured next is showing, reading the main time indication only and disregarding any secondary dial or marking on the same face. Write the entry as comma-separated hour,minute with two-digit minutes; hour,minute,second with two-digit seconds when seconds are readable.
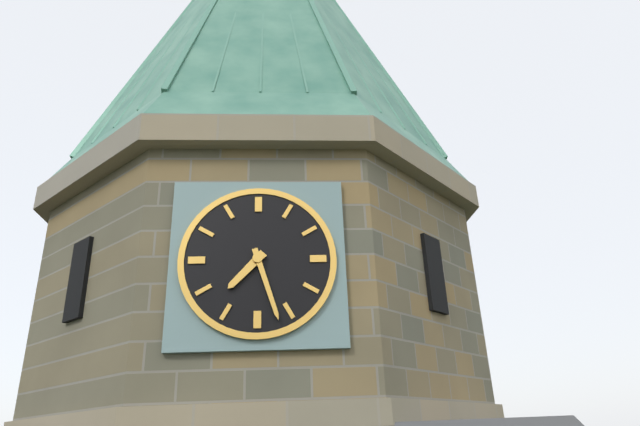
7,27
